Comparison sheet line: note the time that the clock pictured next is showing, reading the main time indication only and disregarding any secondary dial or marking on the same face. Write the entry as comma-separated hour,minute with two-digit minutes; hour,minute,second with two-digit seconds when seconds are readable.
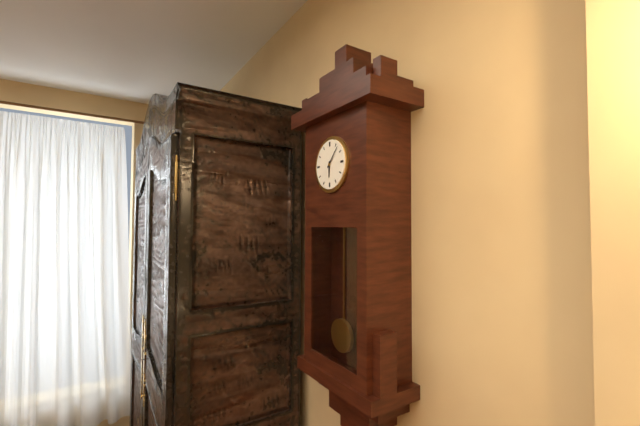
6,07
